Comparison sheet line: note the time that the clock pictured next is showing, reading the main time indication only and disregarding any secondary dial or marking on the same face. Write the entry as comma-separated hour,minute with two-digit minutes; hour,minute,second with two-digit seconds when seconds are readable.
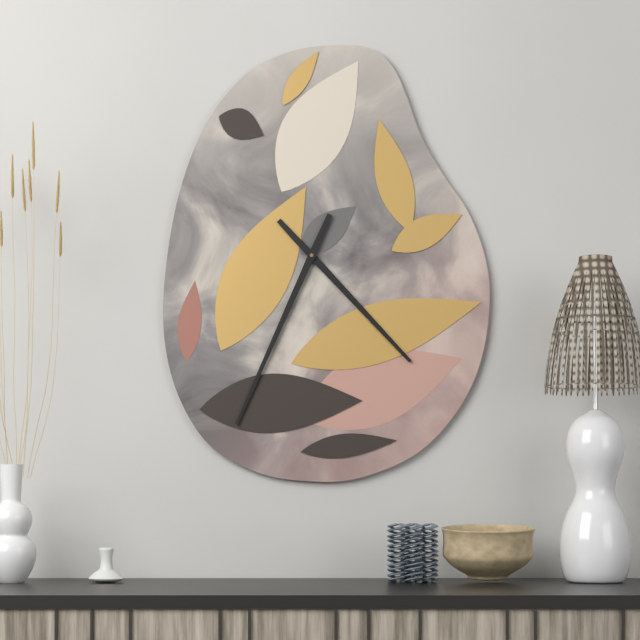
4,34
